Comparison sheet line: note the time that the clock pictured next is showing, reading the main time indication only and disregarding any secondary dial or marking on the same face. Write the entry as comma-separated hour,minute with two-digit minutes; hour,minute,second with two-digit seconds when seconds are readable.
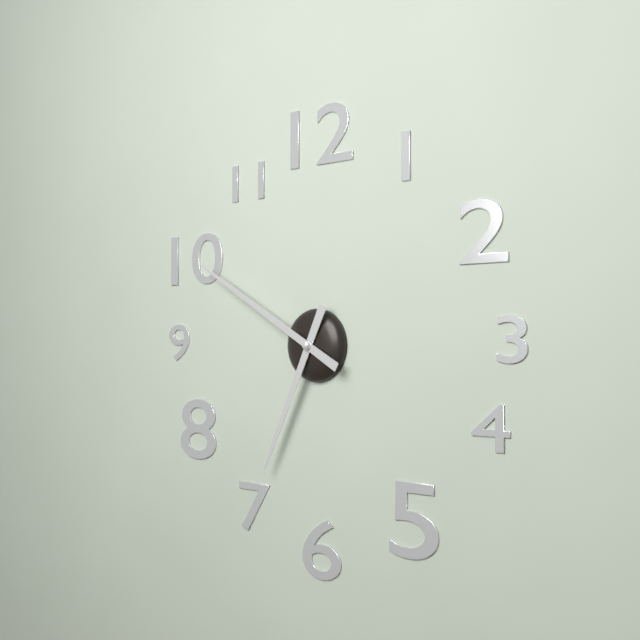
6,50
